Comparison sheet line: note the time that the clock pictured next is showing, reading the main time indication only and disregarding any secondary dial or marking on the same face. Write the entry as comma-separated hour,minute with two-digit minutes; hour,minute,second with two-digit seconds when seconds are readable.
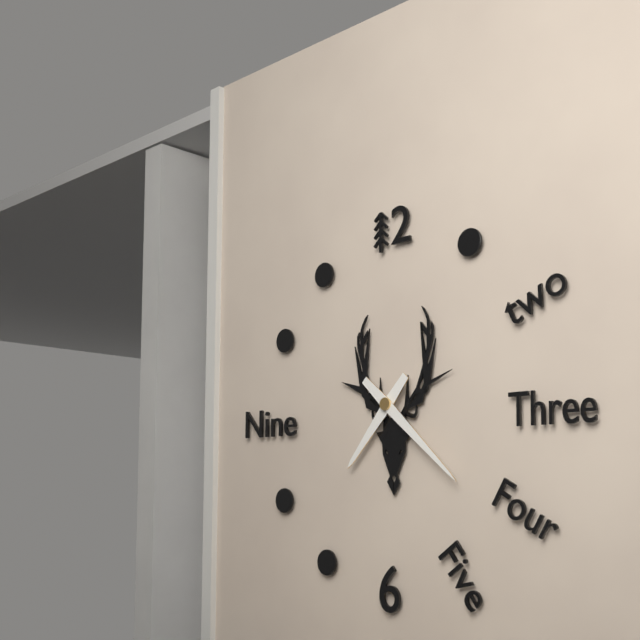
7,22
